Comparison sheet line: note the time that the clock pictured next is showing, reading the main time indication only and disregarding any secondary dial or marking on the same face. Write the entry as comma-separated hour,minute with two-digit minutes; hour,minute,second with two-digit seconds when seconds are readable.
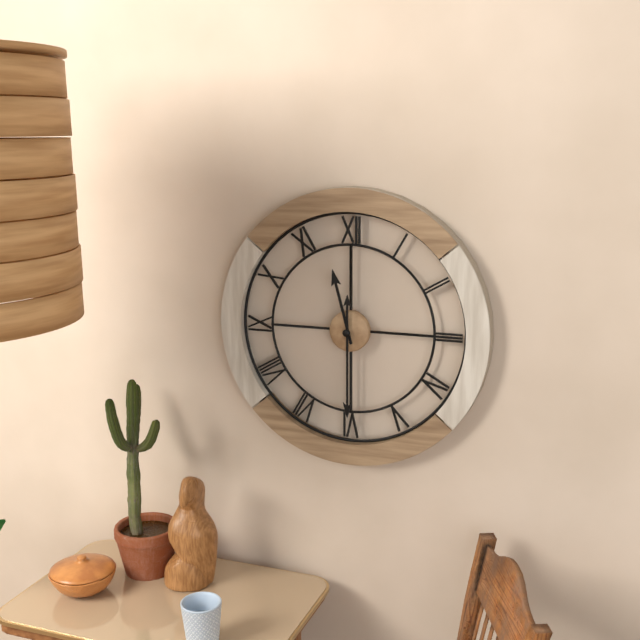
11,30
